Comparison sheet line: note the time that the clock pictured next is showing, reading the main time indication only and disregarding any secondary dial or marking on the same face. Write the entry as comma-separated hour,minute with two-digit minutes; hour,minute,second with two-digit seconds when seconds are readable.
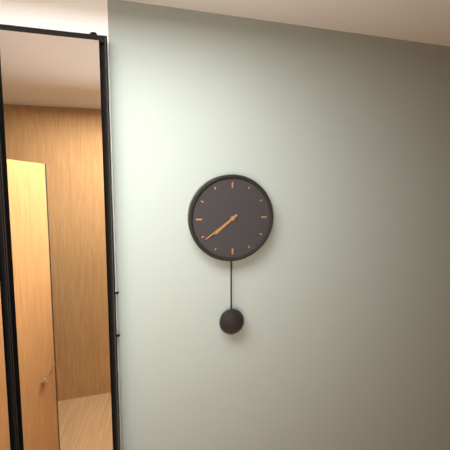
7,39
